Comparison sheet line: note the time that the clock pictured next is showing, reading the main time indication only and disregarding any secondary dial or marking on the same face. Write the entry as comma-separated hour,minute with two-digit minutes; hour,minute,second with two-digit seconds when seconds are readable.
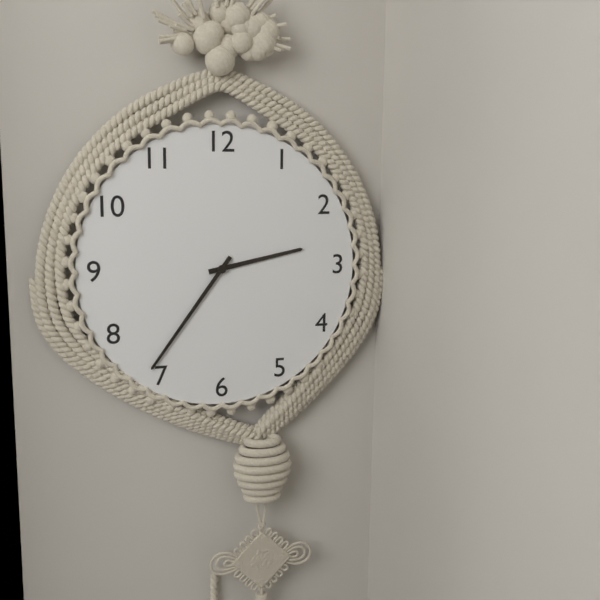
2,36
